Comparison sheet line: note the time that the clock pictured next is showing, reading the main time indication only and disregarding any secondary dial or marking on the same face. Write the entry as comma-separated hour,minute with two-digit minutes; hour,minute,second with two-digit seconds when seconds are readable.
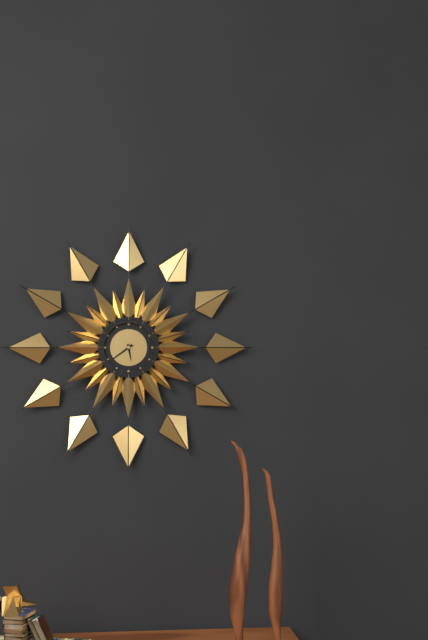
5,39
